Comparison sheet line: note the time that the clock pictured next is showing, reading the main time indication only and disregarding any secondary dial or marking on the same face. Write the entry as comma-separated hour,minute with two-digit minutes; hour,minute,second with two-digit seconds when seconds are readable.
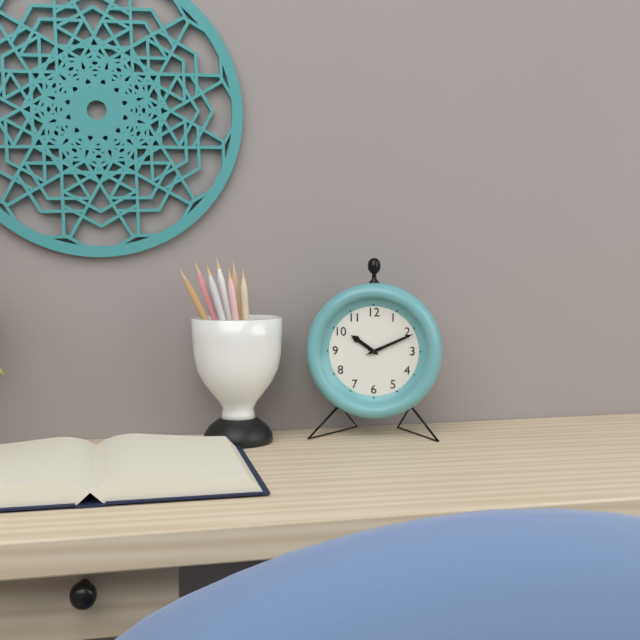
10,11
